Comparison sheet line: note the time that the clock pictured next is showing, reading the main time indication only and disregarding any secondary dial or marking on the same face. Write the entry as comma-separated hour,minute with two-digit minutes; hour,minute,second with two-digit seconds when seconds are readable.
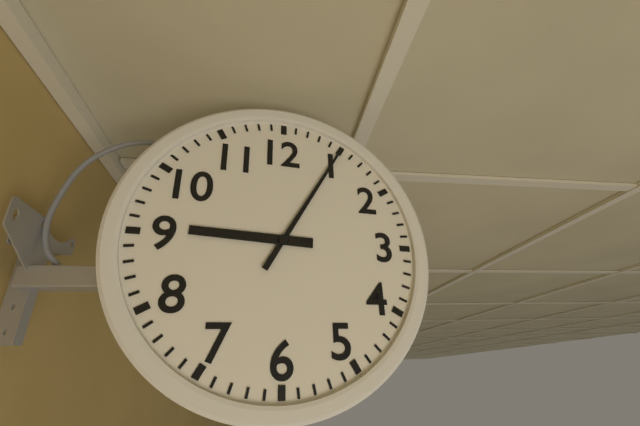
9,05
